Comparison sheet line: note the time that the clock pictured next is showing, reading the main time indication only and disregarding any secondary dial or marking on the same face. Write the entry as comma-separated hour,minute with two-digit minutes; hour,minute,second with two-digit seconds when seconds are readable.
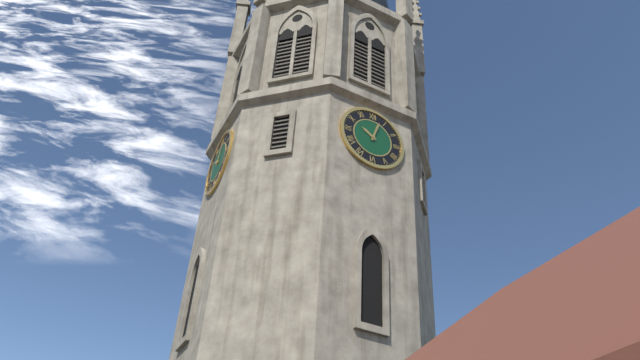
10,03
